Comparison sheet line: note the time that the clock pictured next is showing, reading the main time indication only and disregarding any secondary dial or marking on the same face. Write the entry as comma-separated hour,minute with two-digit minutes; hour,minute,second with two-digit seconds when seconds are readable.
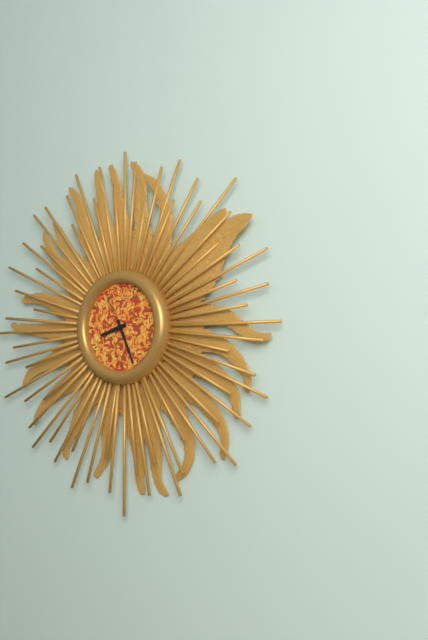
8,26
